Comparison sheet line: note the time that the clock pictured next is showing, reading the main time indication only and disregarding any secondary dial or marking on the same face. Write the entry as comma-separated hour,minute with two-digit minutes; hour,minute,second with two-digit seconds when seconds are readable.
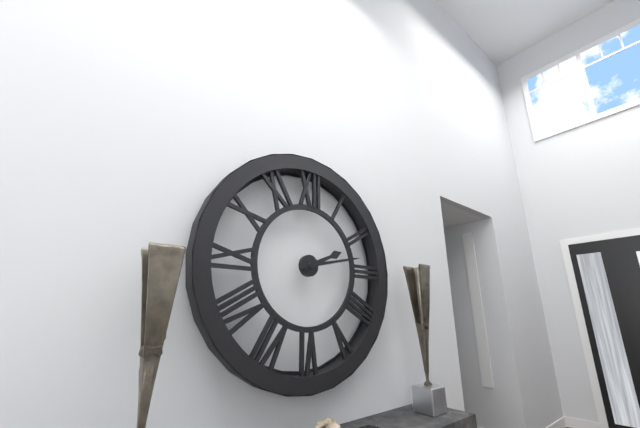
2,13
